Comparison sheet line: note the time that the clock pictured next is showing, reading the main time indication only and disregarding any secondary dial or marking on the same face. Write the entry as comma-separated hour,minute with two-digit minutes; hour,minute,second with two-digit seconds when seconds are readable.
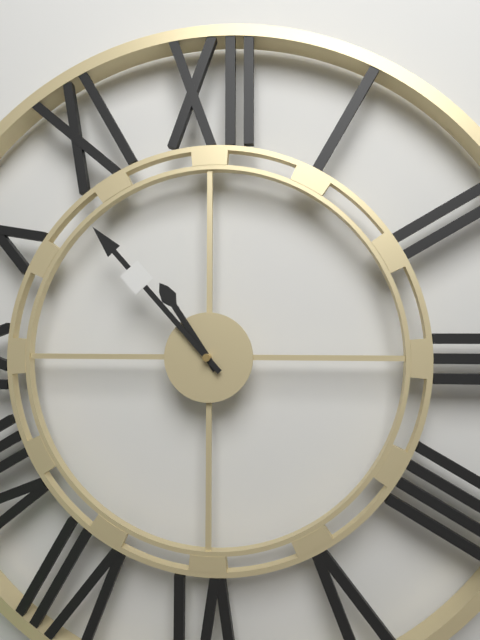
10,53
